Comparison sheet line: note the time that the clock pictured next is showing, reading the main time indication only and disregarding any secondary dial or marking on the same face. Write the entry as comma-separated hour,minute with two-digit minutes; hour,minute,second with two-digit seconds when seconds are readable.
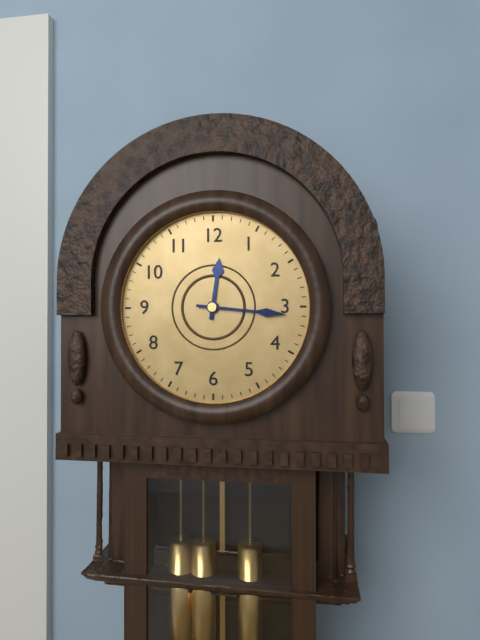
12,16
